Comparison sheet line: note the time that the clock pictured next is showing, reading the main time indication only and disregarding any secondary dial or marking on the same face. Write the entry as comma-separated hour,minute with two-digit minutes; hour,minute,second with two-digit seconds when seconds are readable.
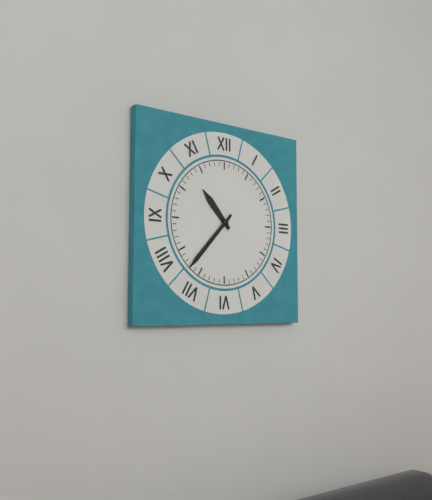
10,37
